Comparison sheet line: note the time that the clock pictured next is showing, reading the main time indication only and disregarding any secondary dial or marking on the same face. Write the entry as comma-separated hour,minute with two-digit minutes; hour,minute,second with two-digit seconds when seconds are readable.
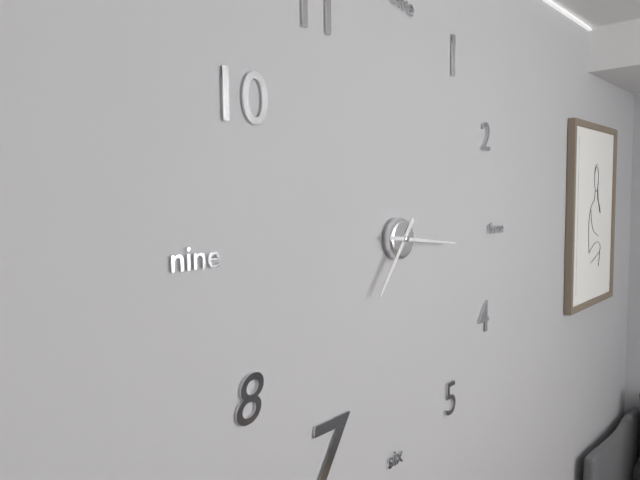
7,16
